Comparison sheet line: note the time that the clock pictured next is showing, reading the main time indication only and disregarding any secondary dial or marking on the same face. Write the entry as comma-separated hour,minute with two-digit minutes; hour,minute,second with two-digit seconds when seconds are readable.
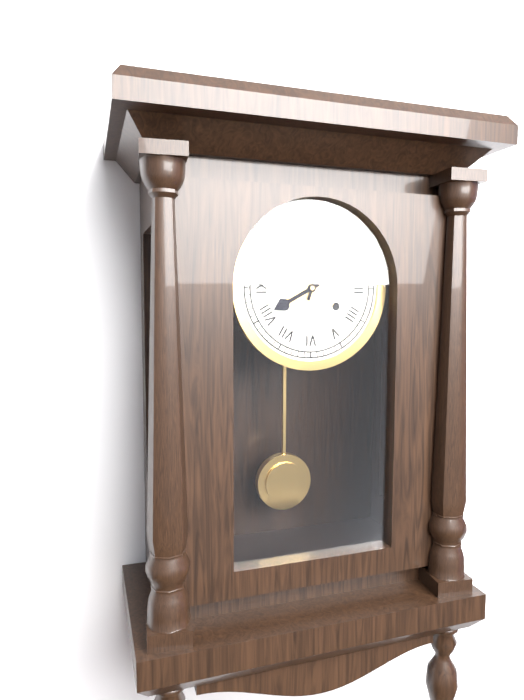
8,03
